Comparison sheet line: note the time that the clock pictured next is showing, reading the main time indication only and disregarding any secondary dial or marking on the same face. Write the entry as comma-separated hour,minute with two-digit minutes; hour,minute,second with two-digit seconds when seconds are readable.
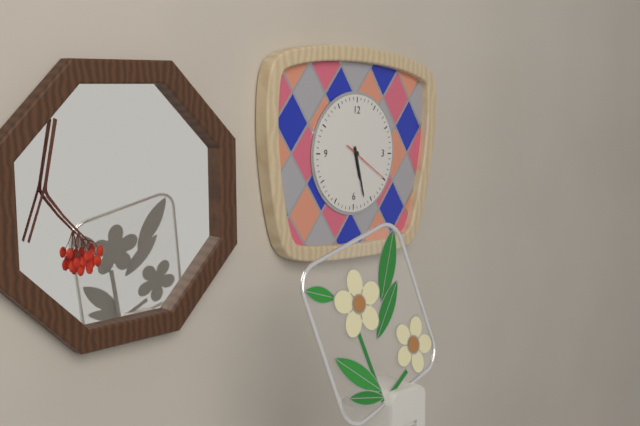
5,27
